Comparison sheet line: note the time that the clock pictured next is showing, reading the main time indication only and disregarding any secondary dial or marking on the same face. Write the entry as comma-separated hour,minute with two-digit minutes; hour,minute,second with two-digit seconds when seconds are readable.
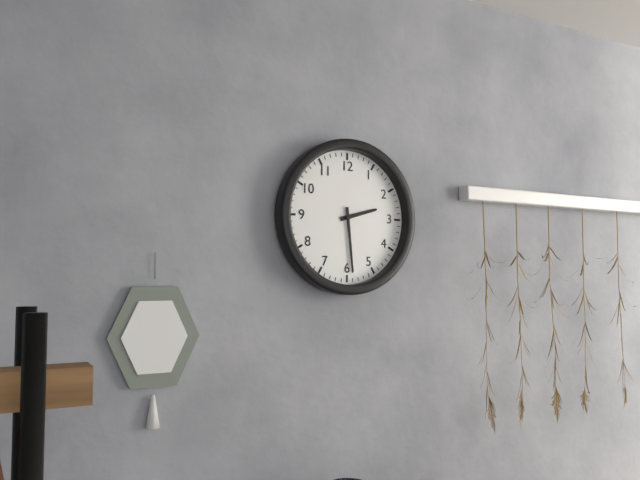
2,29
